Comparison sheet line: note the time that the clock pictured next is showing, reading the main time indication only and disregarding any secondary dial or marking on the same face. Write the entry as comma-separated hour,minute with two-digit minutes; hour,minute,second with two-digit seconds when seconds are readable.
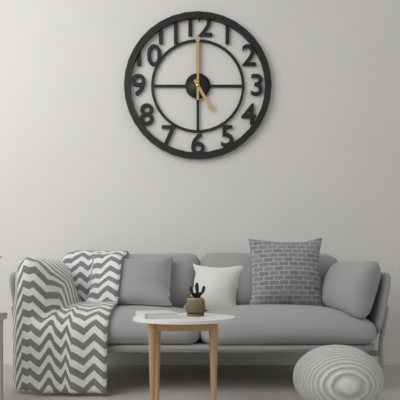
5,00
